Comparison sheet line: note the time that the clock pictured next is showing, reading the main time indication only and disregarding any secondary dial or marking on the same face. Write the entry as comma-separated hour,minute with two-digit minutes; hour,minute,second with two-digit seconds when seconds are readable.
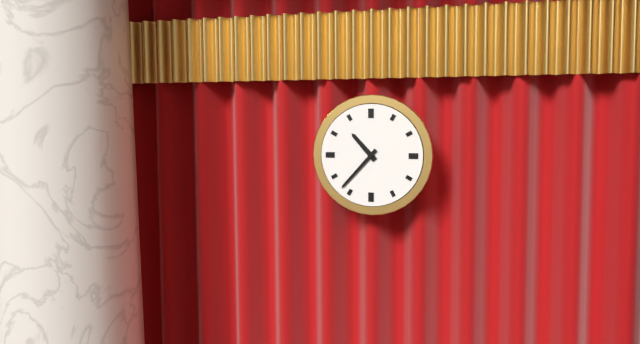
10,37
